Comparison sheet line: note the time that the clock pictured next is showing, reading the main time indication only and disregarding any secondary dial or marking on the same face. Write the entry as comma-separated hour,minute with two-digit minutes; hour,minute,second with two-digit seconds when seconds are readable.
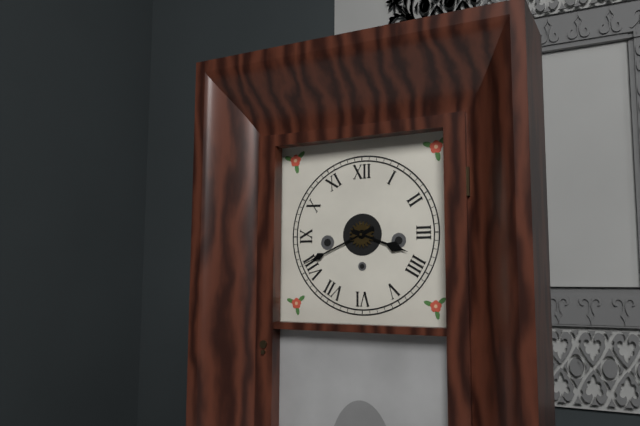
3,41
